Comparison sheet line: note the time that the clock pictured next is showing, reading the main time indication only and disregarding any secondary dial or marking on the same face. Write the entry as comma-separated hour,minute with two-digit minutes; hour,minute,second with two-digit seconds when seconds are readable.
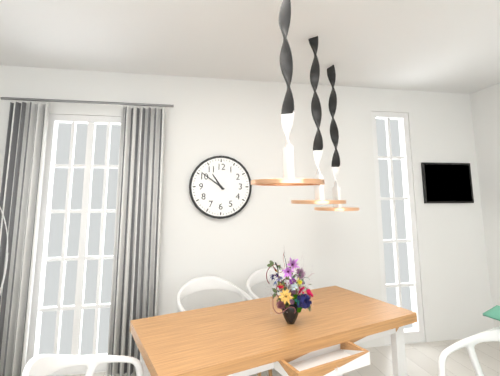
10,51
